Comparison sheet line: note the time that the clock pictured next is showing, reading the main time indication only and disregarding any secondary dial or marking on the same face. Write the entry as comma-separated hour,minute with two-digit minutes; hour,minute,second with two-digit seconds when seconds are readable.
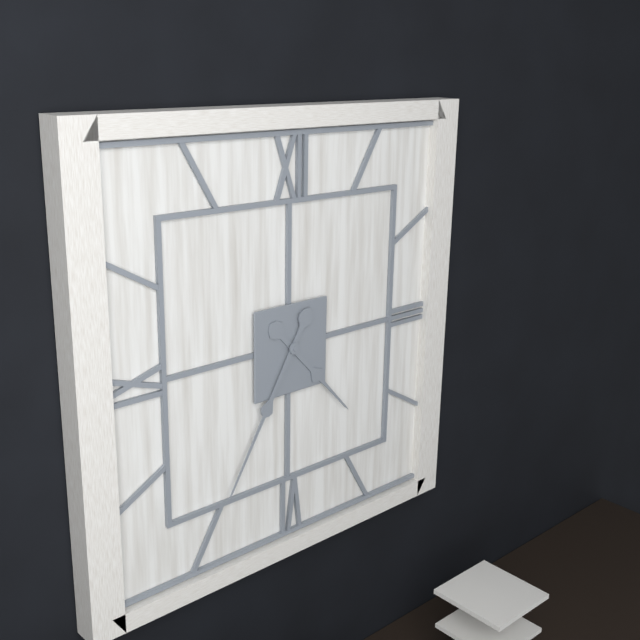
4,35
